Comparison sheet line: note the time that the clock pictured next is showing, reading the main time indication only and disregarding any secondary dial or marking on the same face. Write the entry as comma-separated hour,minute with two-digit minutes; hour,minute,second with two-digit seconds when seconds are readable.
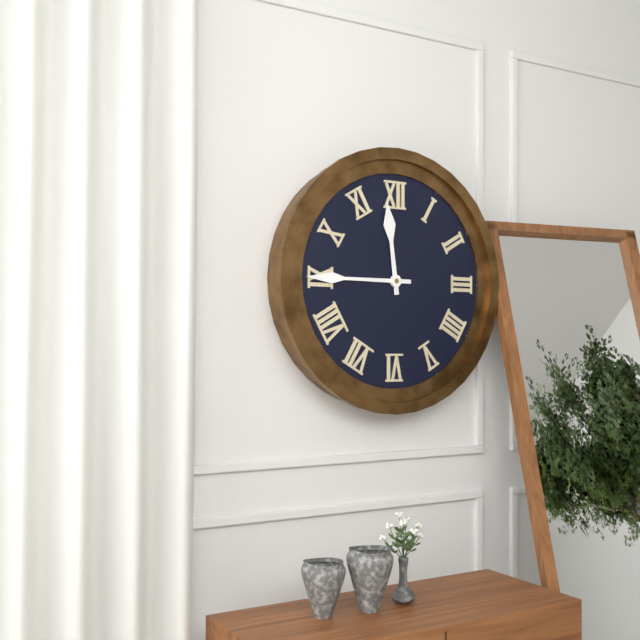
11,45
